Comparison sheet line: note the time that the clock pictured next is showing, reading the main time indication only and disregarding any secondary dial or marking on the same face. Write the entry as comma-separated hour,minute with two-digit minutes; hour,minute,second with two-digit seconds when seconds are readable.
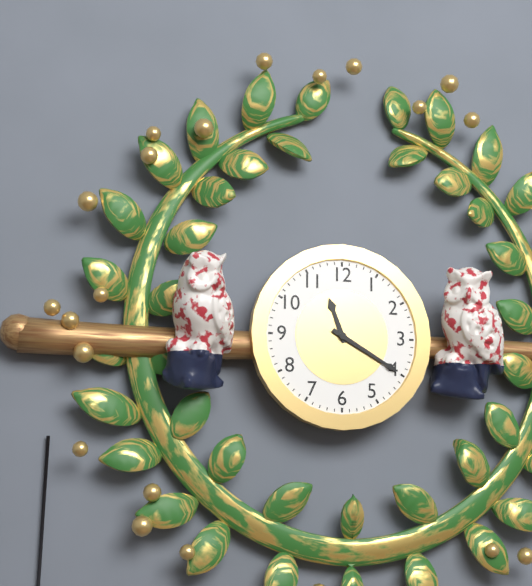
11,20
